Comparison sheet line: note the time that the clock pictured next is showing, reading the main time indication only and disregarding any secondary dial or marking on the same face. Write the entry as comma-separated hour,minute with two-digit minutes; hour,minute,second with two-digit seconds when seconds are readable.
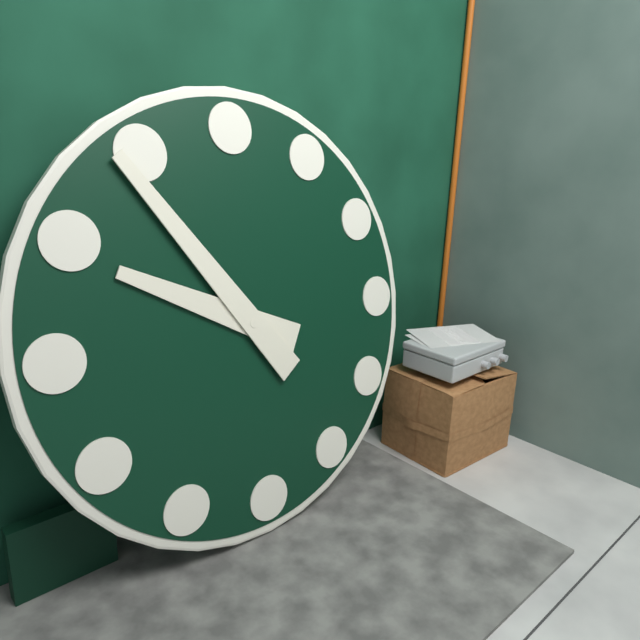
9,54
